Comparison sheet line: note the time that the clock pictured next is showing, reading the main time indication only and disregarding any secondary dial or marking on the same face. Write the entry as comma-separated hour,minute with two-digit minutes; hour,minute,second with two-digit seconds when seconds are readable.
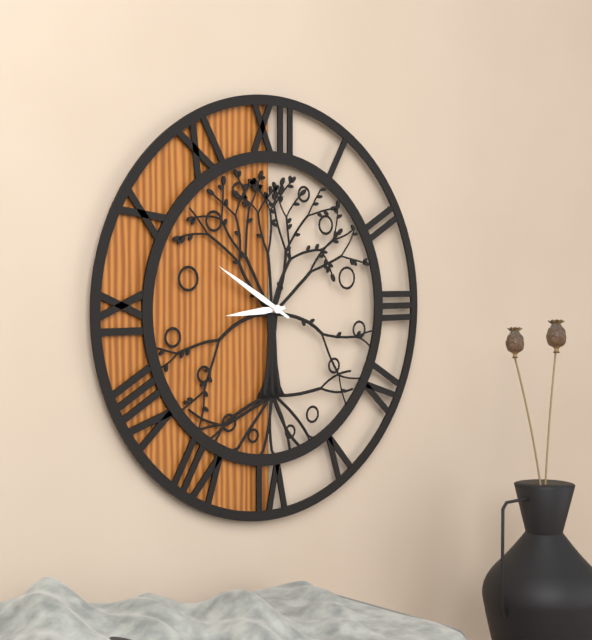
8,50
